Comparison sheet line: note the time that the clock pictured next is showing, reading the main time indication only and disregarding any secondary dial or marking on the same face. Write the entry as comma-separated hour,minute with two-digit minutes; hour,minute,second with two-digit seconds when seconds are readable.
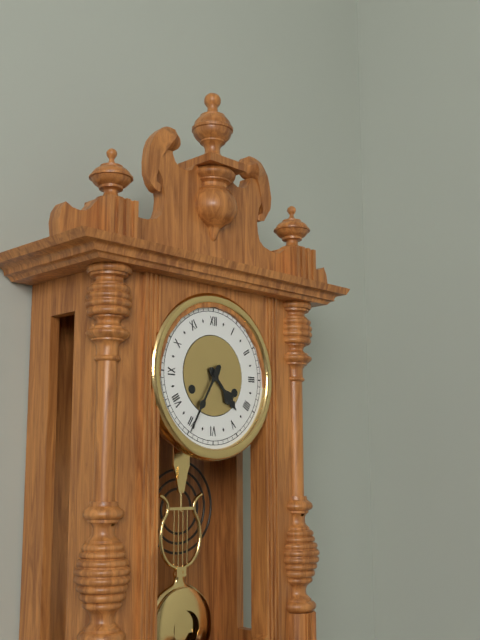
4,35
